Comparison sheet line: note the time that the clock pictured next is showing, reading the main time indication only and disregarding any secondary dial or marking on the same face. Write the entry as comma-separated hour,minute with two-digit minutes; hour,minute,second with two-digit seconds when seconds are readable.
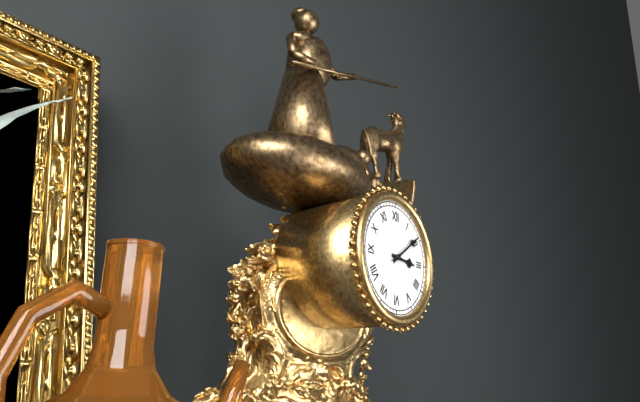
3,09
